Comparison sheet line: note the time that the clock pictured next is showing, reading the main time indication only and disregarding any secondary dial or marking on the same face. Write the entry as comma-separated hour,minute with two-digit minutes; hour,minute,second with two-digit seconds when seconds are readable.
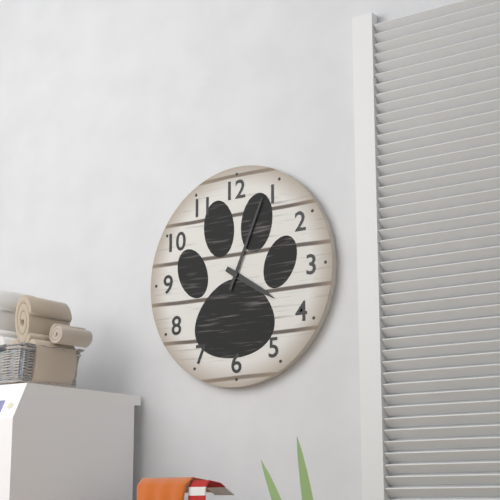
4,04
